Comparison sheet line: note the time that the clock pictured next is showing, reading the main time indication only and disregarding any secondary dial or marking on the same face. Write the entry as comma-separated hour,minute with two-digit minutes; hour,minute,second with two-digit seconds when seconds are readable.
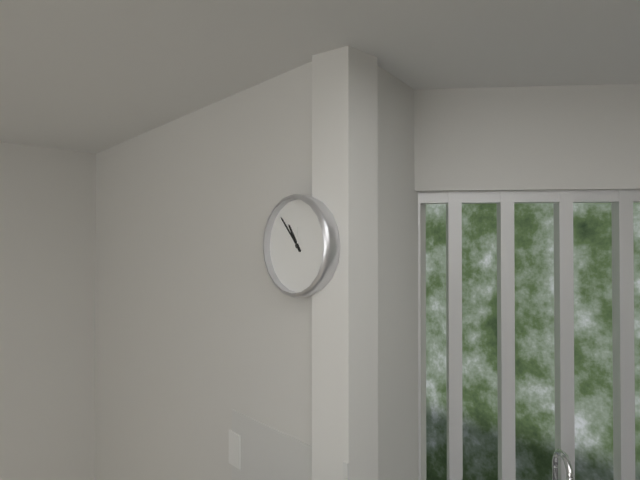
10,53
